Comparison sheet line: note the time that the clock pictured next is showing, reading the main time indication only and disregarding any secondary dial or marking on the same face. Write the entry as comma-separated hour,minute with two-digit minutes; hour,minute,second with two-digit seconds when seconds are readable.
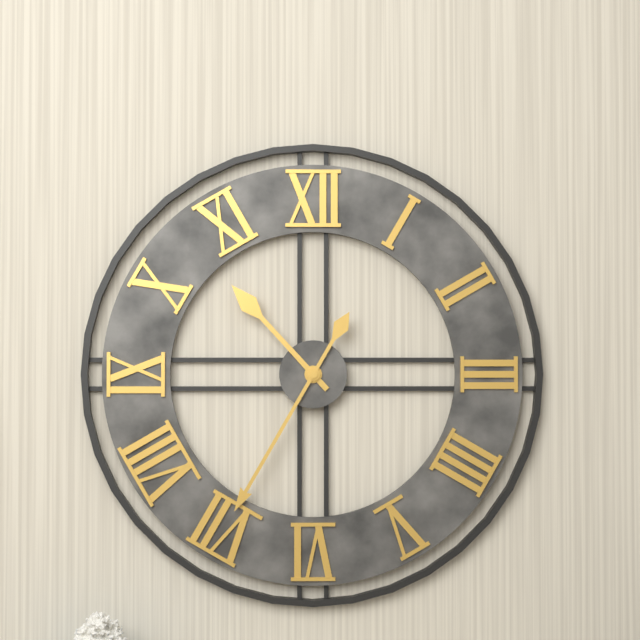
10,35
